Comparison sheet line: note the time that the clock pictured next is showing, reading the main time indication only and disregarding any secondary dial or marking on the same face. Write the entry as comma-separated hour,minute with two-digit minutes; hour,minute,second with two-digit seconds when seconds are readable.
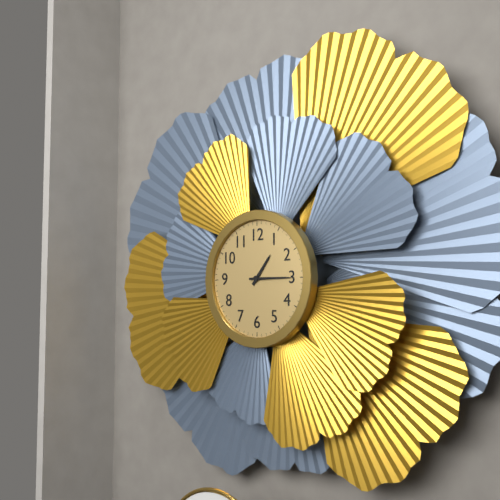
1,15
